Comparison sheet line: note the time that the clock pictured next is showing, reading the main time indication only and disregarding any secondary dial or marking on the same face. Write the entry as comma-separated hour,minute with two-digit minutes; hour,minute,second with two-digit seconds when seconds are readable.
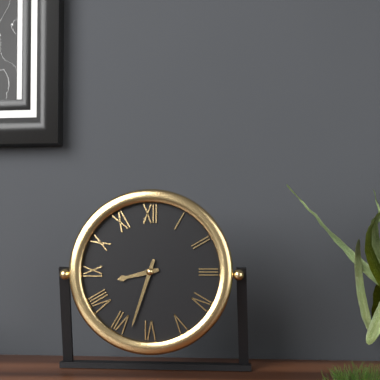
8,33
